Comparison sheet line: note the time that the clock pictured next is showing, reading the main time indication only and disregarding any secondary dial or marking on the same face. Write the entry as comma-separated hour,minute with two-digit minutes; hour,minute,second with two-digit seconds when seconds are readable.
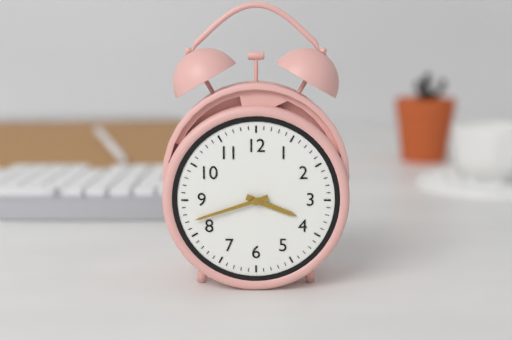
3,42
